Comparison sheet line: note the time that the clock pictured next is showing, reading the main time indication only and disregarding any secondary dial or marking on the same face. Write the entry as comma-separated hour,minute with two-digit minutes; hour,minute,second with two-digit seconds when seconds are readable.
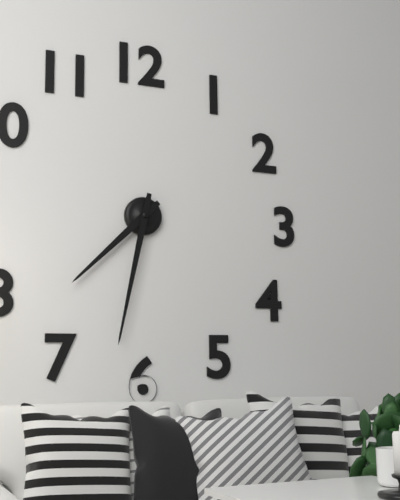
7,32
